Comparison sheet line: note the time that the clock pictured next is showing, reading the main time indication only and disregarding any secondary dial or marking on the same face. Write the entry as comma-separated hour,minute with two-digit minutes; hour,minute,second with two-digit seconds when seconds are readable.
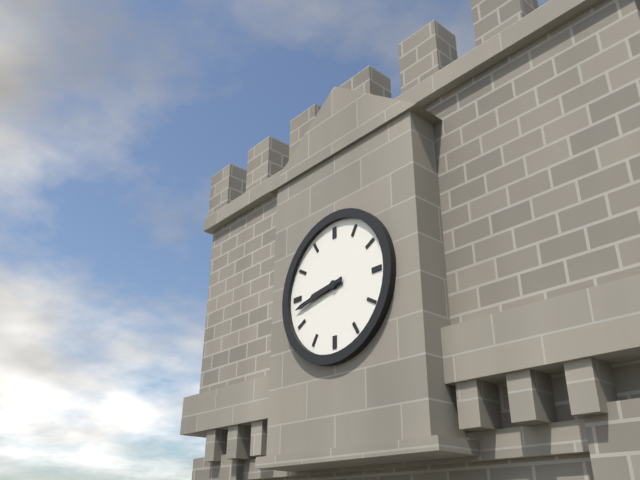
8,43
